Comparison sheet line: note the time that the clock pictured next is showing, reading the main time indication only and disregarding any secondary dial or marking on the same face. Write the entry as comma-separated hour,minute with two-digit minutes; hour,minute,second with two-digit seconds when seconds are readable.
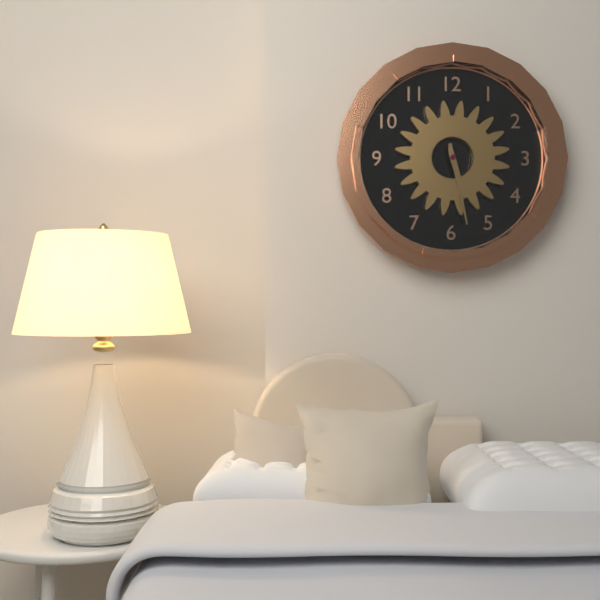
5,28
